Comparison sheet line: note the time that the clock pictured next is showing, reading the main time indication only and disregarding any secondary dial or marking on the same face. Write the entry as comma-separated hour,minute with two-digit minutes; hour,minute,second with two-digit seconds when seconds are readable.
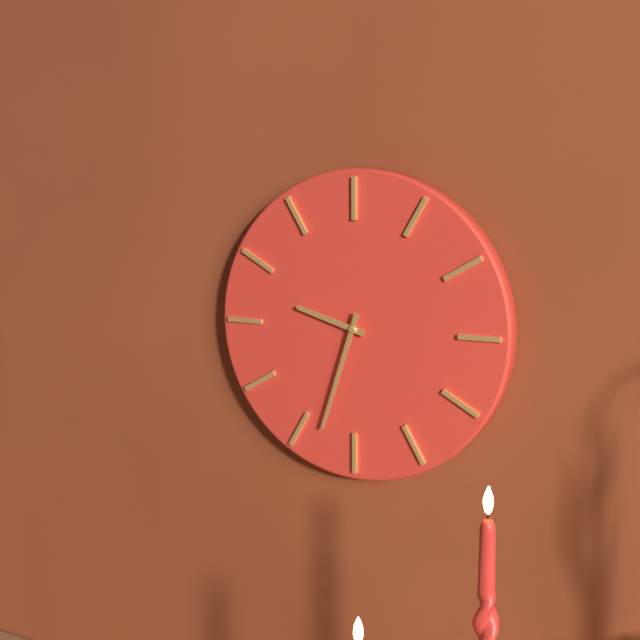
9,33
